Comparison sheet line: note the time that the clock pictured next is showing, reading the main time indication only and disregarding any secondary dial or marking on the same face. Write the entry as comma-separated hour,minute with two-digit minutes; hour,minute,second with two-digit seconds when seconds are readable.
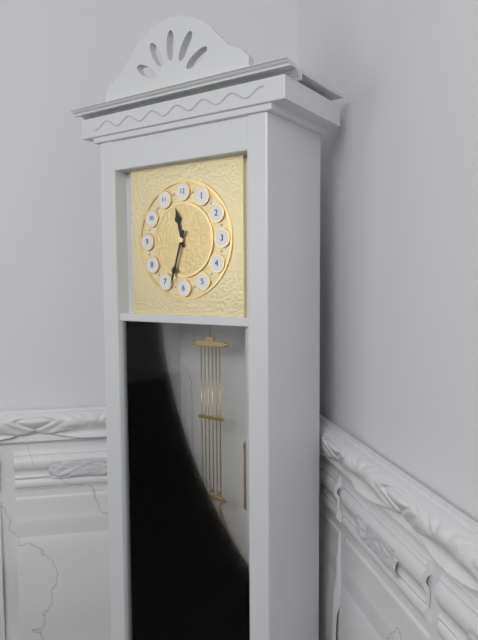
11,33
